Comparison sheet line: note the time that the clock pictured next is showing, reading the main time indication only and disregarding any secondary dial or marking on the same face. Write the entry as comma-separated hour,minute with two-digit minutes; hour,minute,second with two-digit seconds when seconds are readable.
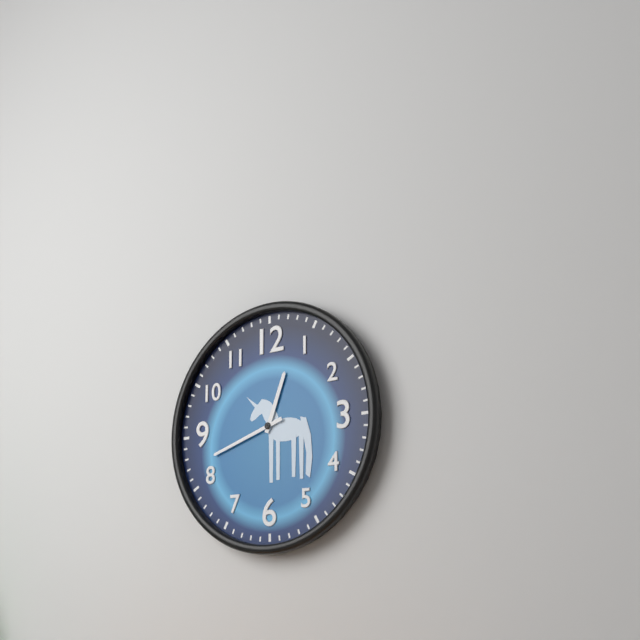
12,42
